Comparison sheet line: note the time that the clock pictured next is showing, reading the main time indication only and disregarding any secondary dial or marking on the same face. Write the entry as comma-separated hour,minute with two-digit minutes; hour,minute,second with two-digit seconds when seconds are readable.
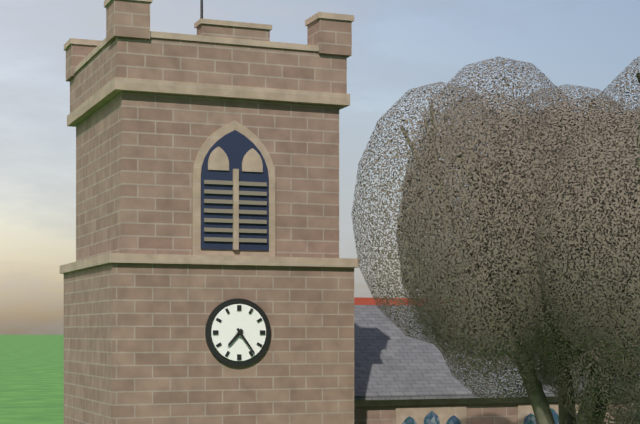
7,24
